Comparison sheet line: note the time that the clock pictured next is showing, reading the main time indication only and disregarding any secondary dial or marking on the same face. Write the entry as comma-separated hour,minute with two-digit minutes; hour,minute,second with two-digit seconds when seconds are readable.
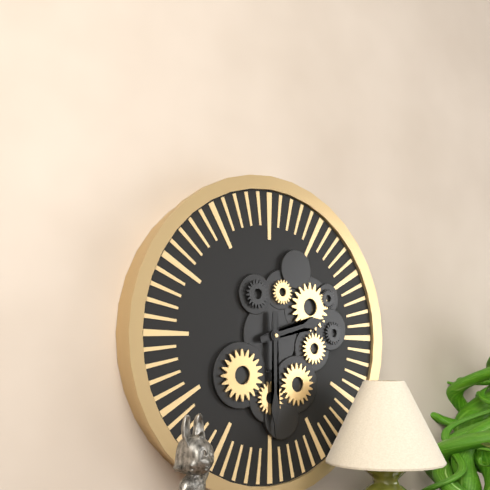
2,30
